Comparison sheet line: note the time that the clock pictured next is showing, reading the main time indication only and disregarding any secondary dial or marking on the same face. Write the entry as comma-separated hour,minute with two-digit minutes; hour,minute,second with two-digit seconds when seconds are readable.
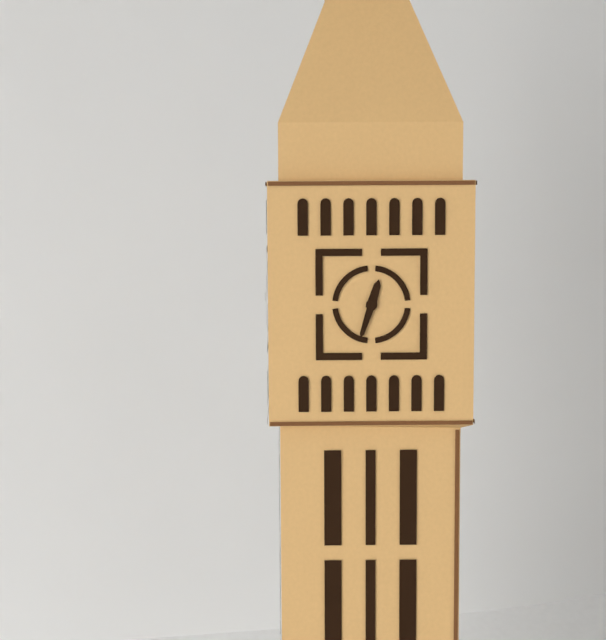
12,33
